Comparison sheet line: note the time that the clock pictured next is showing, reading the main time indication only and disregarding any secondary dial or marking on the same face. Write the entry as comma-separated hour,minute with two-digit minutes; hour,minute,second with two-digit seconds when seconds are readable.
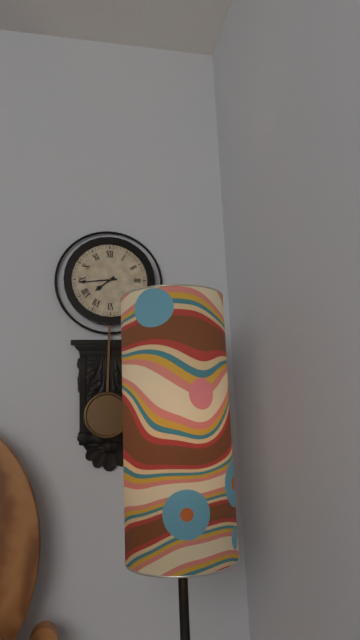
7,44
